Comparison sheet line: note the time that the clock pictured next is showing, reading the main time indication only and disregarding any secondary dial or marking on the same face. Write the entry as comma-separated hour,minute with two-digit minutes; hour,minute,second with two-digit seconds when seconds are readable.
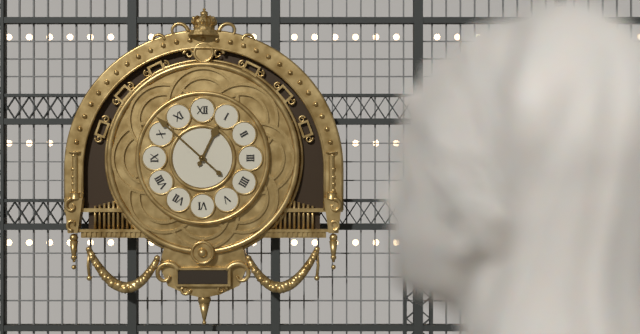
12,52
